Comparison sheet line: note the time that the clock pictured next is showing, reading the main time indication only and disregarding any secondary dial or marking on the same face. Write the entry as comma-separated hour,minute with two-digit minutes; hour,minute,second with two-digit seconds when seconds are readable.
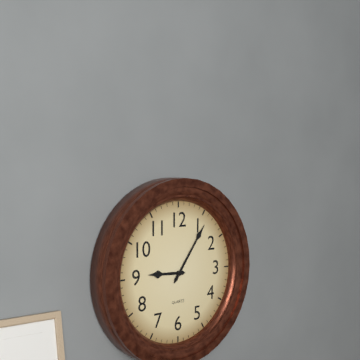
9,06
